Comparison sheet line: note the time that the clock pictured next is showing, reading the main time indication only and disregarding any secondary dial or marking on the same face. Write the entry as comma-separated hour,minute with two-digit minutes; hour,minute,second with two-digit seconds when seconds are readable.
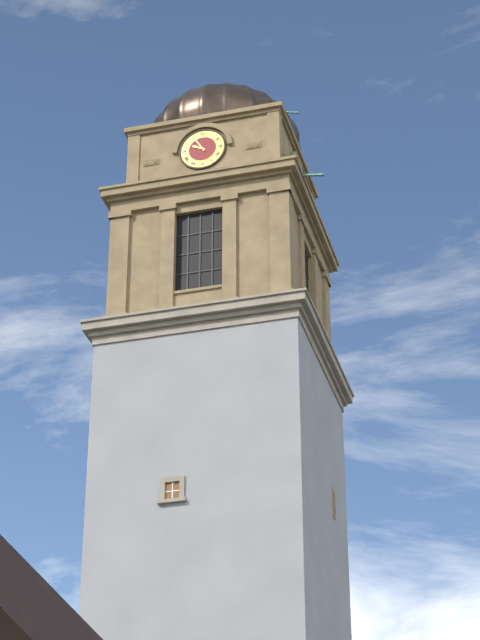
9,55
